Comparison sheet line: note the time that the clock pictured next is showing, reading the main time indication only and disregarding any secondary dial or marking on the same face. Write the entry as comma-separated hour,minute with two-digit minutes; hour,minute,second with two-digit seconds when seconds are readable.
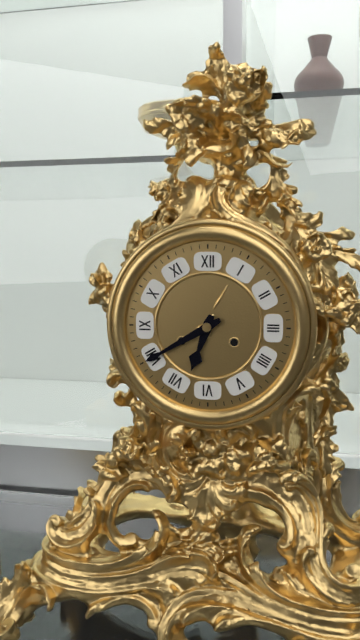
6,40
